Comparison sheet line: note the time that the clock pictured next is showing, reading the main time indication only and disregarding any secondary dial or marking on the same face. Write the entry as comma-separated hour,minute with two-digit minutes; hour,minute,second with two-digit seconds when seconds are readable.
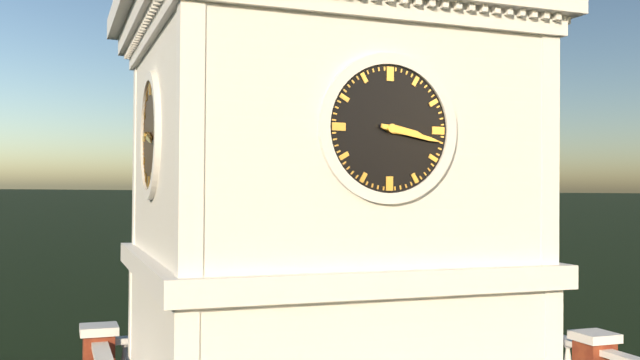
3,17
